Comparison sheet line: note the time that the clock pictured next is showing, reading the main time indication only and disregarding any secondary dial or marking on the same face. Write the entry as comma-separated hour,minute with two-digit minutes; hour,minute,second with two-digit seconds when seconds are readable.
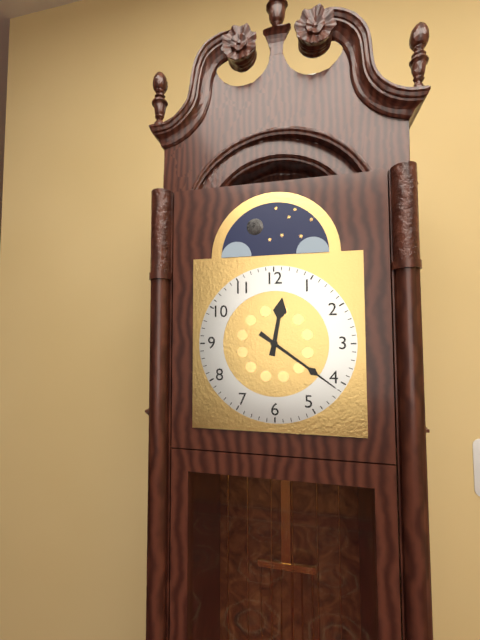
12,21
